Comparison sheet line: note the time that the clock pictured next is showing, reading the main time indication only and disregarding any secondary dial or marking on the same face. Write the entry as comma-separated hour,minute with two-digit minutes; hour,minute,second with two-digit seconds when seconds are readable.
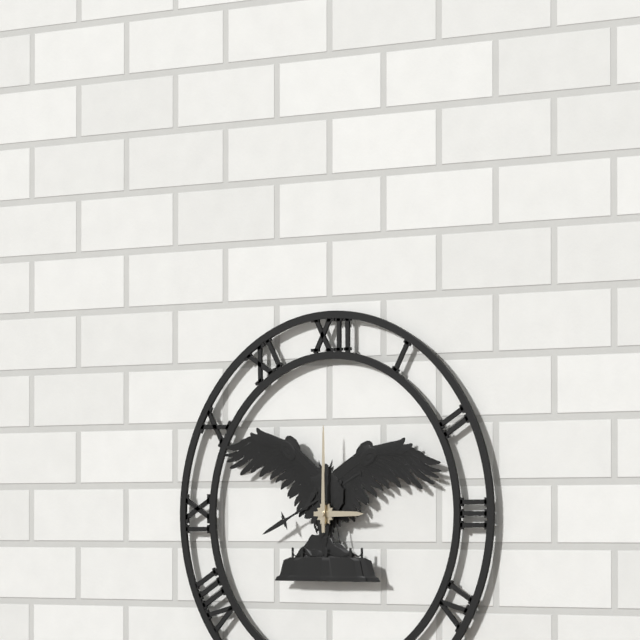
3,00
